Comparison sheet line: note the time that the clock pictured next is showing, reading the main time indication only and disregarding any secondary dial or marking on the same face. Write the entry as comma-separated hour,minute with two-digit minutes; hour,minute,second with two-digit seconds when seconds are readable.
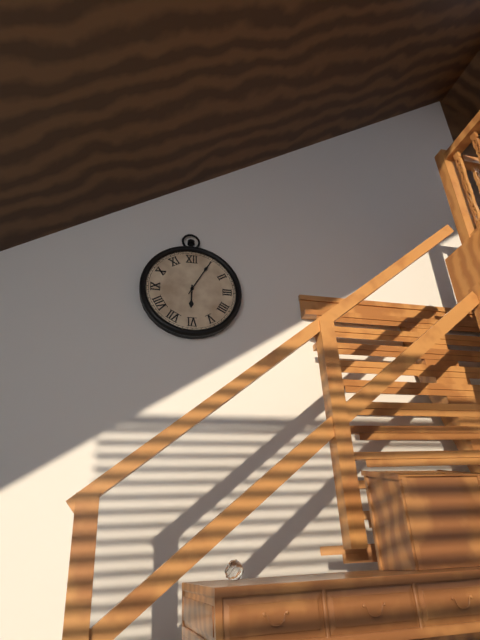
6,05
